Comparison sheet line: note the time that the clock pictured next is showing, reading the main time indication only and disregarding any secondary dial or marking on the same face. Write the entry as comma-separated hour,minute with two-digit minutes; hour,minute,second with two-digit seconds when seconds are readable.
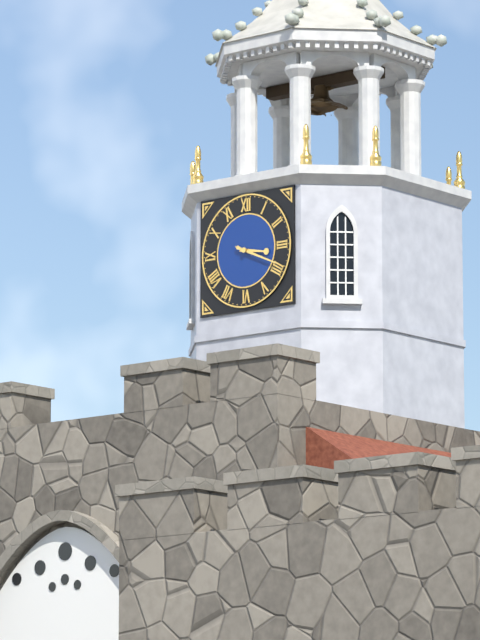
3,19
